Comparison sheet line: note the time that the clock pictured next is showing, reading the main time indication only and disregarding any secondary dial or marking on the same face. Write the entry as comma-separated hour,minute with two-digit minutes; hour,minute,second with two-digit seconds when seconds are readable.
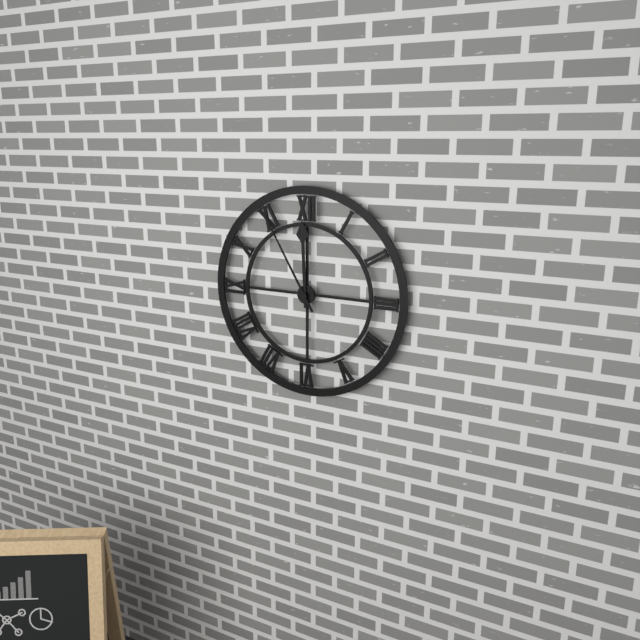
11,55
